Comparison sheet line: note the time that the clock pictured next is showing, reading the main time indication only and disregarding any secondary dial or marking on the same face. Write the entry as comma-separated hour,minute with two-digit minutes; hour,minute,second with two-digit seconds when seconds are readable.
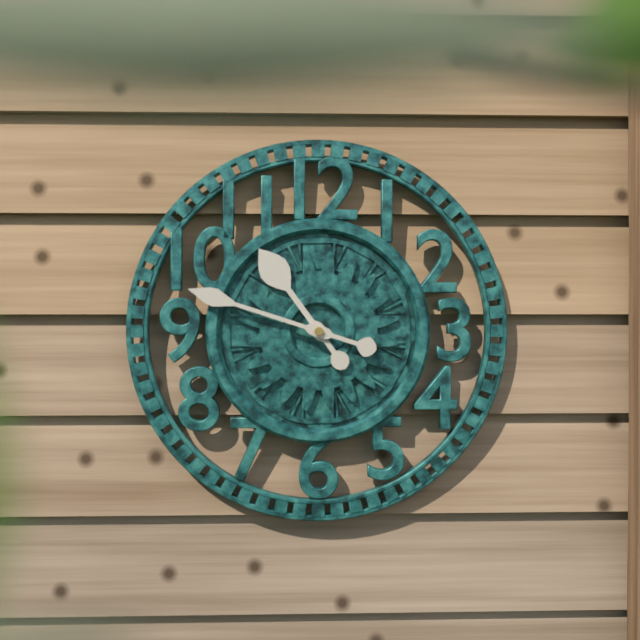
10,48
